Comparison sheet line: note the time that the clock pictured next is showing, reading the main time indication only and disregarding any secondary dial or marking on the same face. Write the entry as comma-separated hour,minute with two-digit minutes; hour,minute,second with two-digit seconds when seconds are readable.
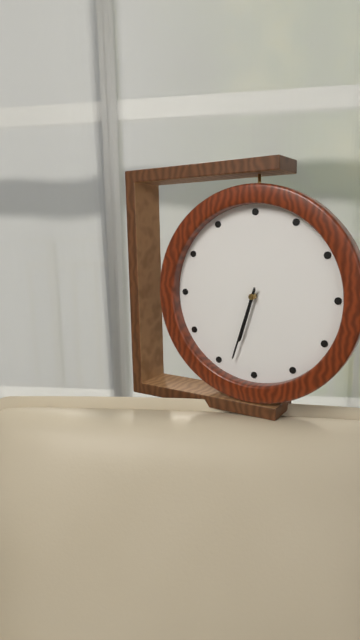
6,33
